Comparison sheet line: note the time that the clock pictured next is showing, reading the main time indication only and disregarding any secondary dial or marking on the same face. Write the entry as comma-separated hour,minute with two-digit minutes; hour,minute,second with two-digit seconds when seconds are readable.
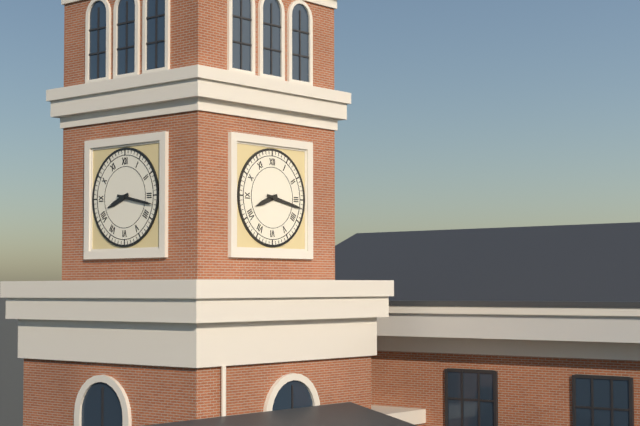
8,17
